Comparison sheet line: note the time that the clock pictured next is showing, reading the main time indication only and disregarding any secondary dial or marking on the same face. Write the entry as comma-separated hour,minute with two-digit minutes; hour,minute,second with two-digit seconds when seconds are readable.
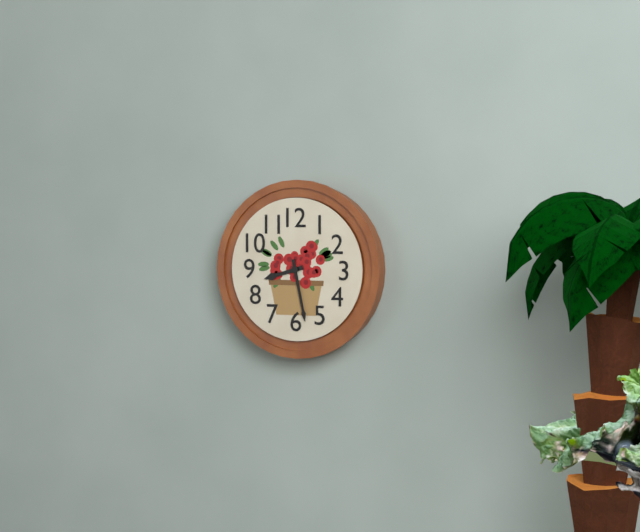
8,28
